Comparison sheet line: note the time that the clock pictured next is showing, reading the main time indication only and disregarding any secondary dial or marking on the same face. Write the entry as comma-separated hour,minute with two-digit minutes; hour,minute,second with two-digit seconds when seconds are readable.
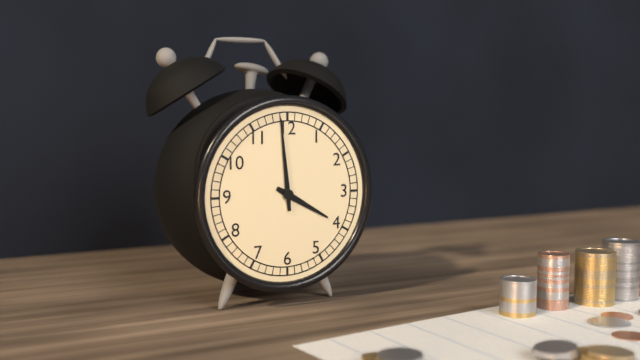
3,59
